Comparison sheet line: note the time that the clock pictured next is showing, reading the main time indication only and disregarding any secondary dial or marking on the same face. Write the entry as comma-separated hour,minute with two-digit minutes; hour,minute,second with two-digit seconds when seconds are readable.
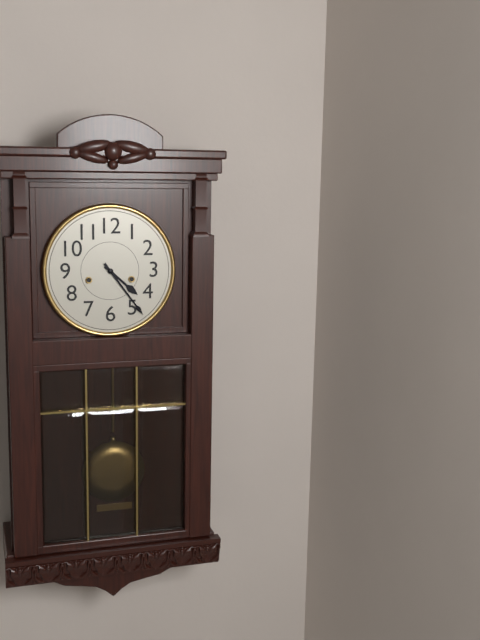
4,24
